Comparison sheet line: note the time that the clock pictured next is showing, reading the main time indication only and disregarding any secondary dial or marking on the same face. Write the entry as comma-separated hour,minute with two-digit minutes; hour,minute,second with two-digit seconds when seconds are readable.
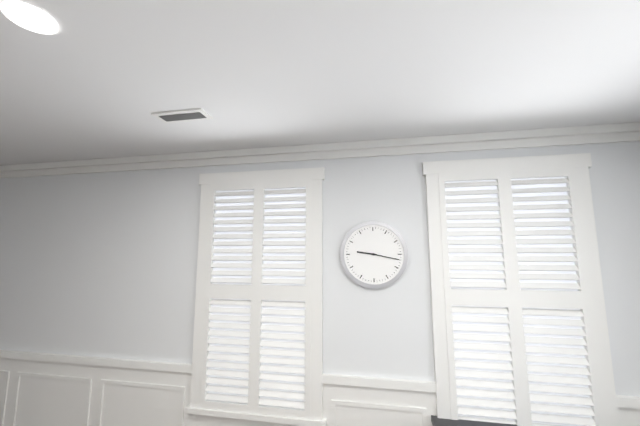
9,17
